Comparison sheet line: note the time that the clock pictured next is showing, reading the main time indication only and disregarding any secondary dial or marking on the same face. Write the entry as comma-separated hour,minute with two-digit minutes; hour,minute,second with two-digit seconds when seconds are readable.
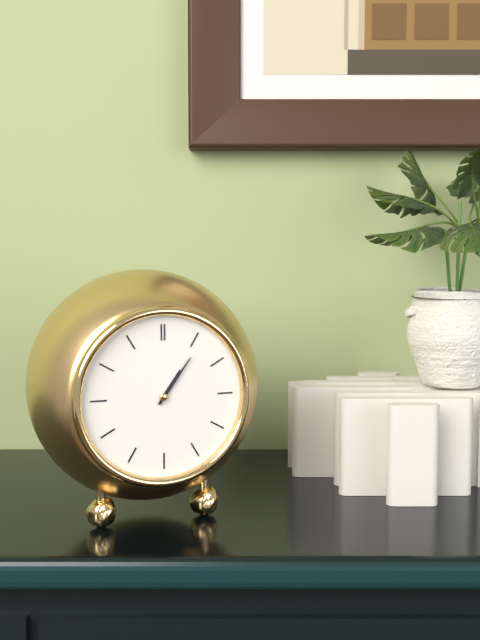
1,06
